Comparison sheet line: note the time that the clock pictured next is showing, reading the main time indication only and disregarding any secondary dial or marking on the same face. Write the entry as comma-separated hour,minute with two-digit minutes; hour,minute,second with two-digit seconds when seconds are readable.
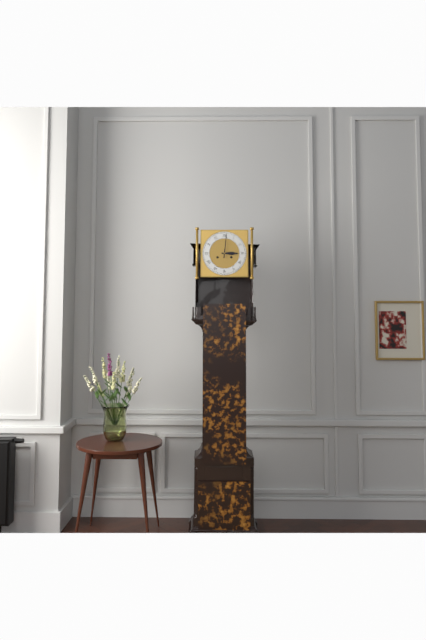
3,01
